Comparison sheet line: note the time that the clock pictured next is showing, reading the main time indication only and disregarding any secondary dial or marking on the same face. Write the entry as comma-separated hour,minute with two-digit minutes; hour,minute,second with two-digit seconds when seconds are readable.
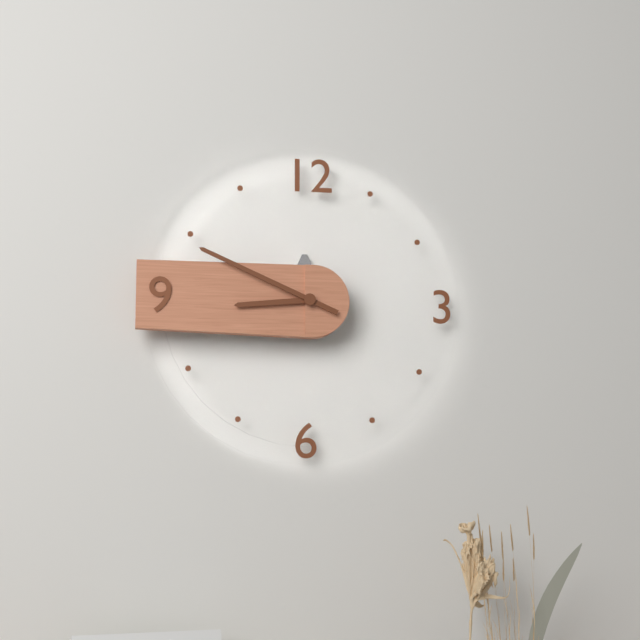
8,49
